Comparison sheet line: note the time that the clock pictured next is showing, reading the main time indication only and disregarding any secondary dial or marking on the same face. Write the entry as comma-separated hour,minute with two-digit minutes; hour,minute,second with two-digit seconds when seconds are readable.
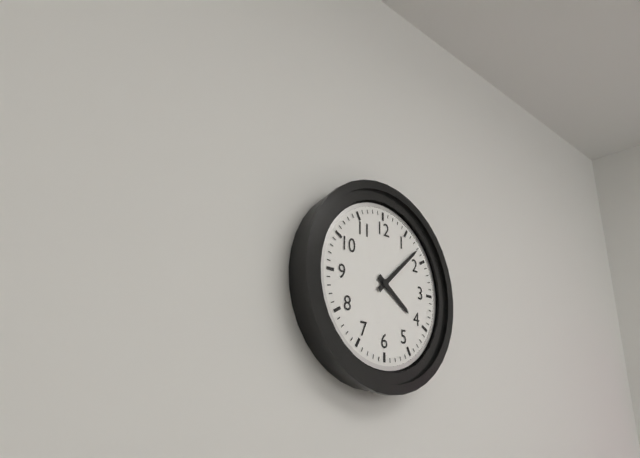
4,08
